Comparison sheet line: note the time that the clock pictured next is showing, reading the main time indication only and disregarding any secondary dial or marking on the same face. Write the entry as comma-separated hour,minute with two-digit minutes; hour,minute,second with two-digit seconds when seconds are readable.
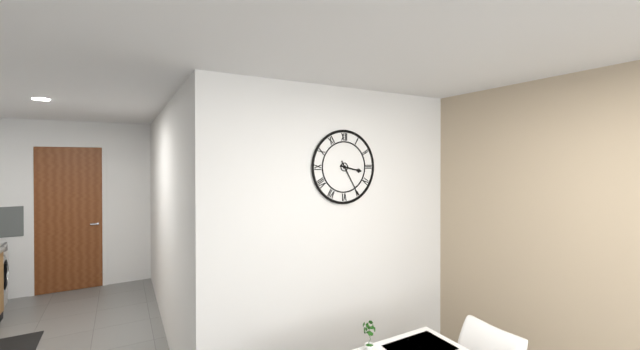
3,25
